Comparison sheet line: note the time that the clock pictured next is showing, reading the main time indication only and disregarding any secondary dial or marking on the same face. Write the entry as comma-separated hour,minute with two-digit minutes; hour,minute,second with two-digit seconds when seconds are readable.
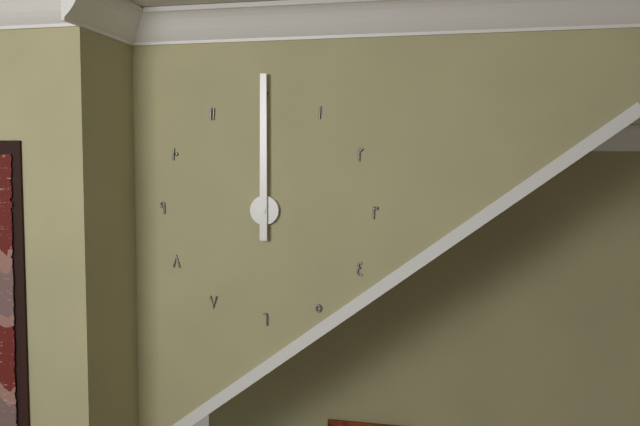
12,00
